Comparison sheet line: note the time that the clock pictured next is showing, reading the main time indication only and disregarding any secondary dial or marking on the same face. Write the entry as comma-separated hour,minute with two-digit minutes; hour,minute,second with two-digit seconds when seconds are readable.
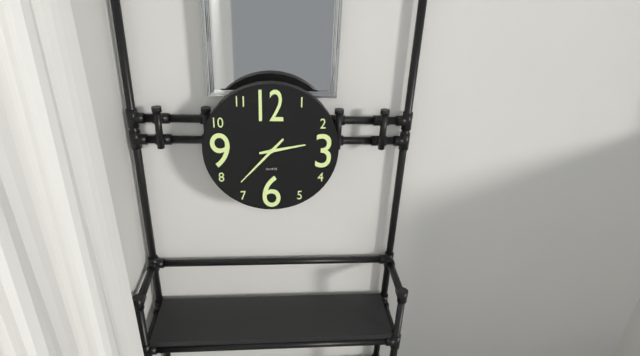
2,37
